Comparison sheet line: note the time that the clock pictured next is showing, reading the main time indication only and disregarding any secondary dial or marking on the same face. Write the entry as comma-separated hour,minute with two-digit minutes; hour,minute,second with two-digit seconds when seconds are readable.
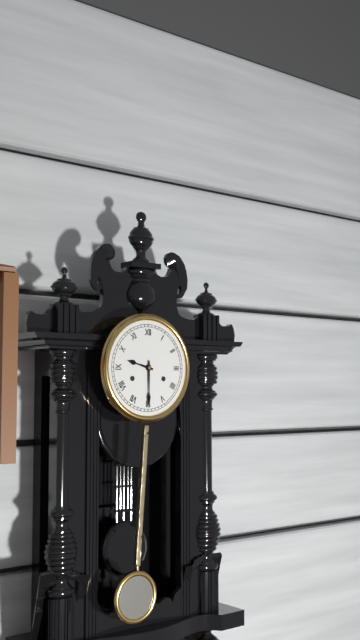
9,30
